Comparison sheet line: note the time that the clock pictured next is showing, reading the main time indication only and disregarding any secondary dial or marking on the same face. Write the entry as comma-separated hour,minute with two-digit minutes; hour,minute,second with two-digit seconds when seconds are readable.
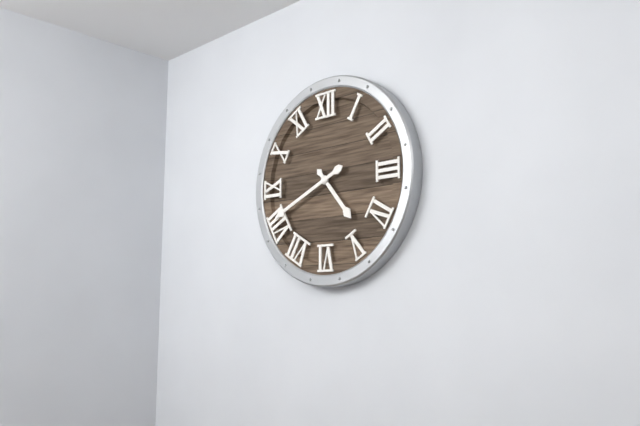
4,41
